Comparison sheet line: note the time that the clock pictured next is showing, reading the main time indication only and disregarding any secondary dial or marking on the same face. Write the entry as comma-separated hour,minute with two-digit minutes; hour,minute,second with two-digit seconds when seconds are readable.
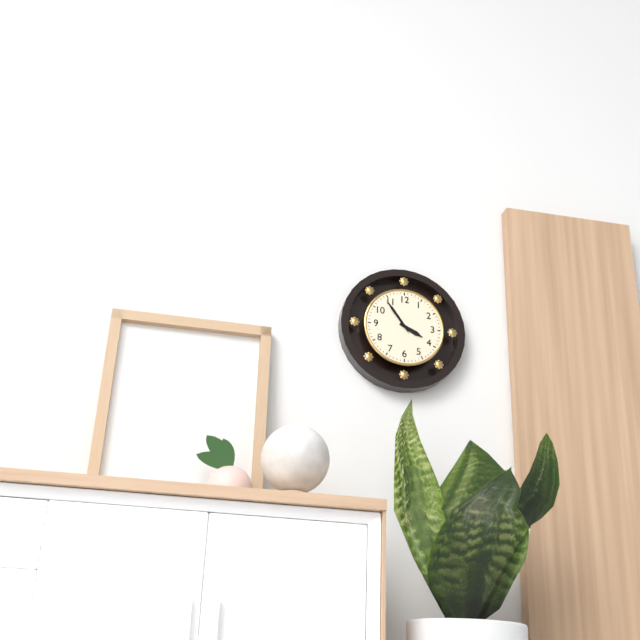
3,54
